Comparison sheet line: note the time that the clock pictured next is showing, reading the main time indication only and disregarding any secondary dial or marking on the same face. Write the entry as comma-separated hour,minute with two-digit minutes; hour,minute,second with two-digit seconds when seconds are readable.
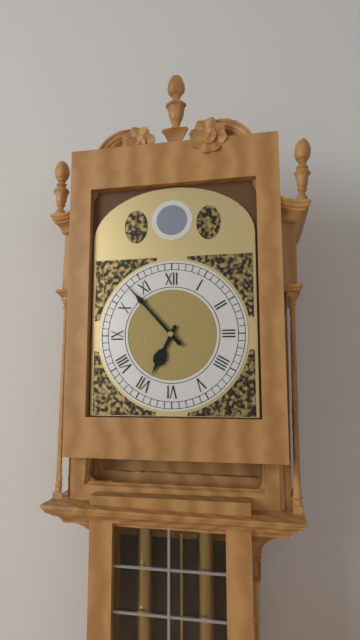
6,53
